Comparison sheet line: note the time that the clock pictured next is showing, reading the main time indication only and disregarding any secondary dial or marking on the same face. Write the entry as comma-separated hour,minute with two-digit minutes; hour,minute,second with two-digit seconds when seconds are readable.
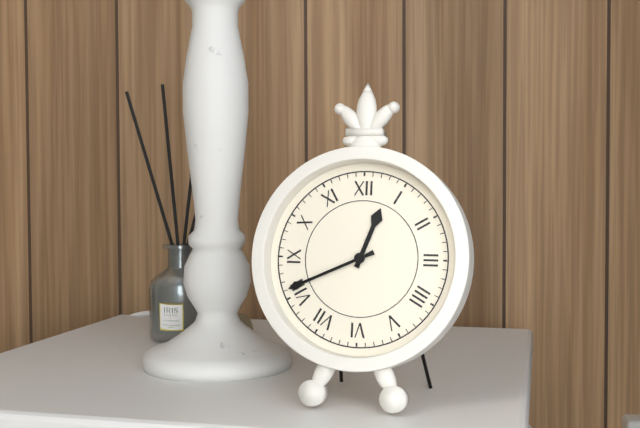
12,41
